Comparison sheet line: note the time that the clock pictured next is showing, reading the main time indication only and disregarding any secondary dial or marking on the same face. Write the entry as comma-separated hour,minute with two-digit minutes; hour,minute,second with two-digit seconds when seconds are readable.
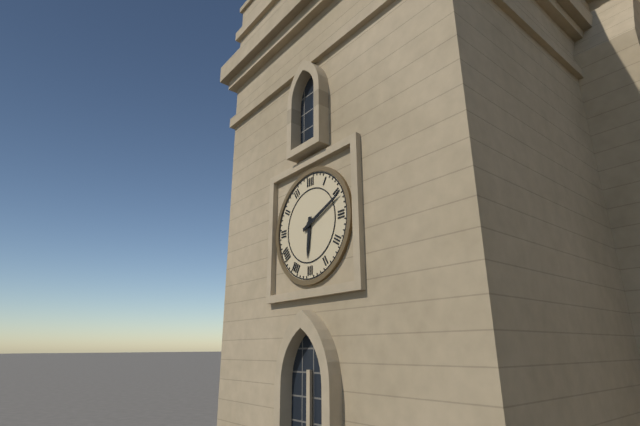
6,11
